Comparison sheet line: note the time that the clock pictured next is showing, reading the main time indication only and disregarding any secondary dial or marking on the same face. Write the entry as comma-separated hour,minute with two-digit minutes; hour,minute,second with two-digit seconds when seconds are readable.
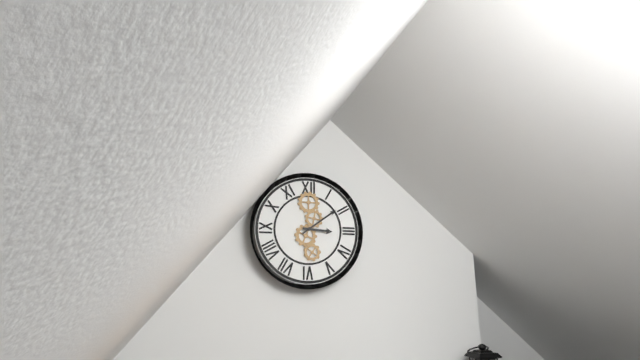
3,09
